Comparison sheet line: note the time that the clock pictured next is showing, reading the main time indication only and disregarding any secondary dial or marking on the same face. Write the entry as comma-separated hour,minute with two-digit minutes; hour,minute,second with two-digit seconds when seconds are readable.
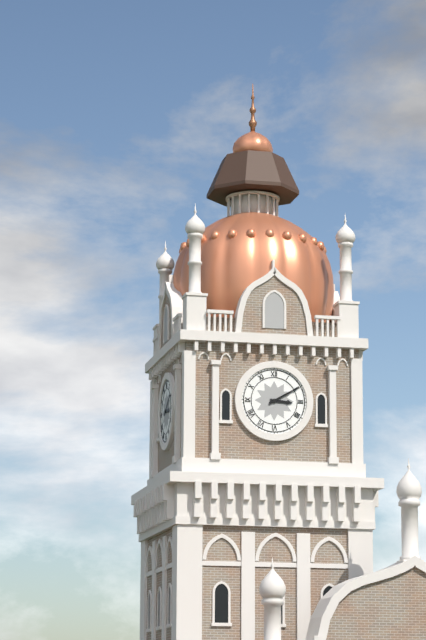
3,10
